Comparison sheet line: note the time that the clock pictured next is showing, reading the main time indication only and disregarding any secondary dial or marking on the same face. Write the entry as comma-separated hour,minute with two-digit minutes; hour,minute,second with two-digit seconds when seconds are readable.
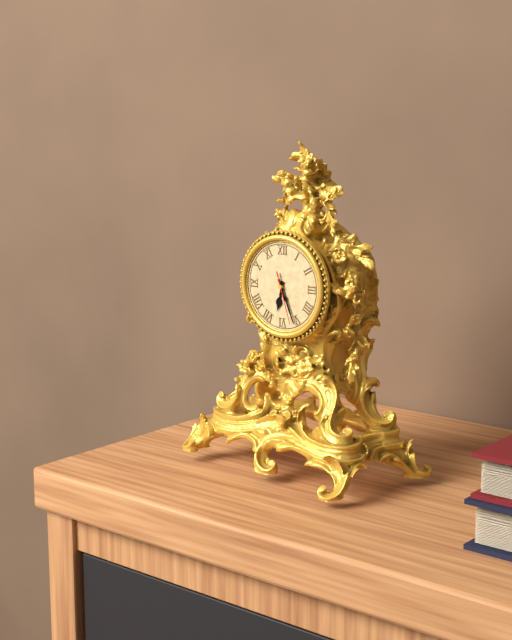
6,26
